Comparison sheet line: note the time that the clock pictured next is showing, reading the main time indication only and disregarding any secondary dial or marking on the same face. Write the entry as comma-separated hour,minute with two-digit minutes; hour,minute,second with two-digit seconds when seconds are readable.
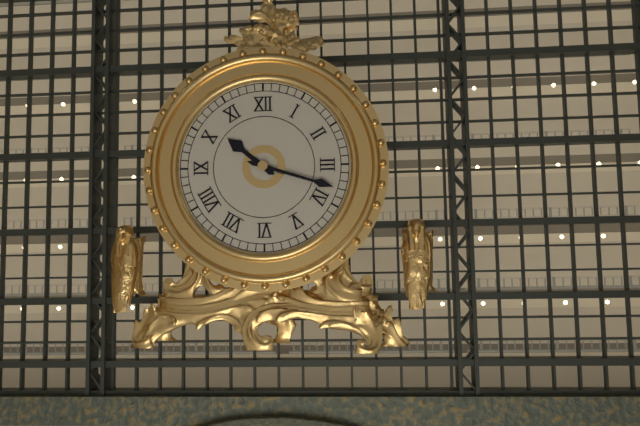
10,18
